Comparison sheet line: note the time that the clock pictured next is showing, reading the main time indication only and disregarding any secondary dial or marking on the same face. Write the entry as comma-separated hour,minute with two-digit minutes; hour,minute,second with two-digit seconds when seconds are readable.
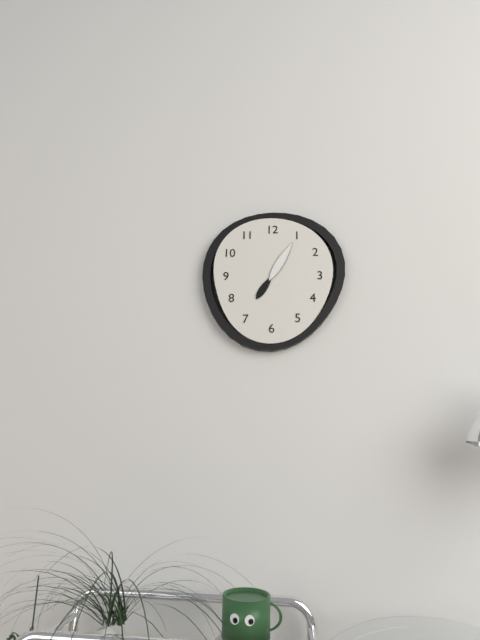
7,05
